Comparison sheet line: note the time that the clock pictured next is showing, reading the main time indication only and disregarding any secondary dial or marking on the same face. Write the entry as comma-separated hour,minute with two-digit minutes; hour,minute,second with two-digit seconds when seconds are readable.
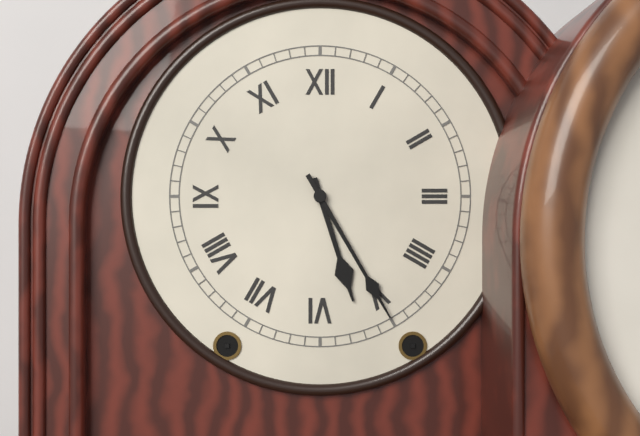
5,25
